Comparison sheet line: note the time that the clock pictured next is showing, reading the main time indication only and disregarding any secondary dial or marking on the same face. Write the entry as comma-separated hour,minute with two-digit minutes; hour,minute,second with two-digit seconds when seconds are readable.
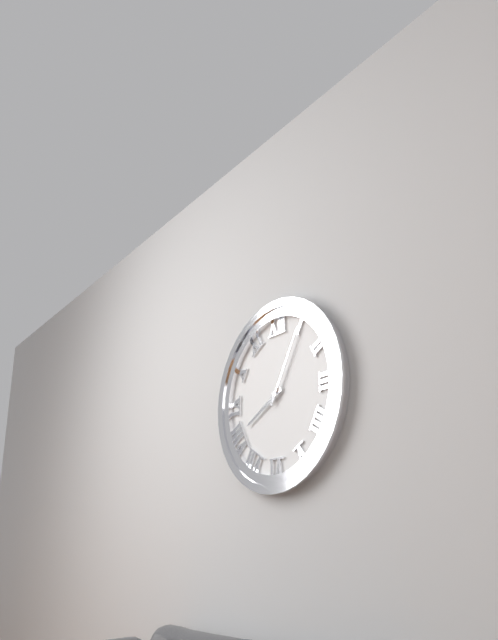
8,05
